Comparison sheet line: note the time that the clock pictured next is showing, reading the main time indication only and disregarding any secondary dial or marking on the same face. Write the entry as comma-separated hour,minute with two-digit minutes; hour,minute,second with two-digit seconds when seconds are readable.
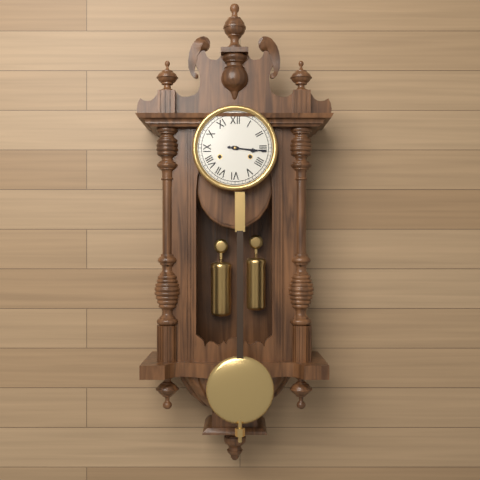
3,16
